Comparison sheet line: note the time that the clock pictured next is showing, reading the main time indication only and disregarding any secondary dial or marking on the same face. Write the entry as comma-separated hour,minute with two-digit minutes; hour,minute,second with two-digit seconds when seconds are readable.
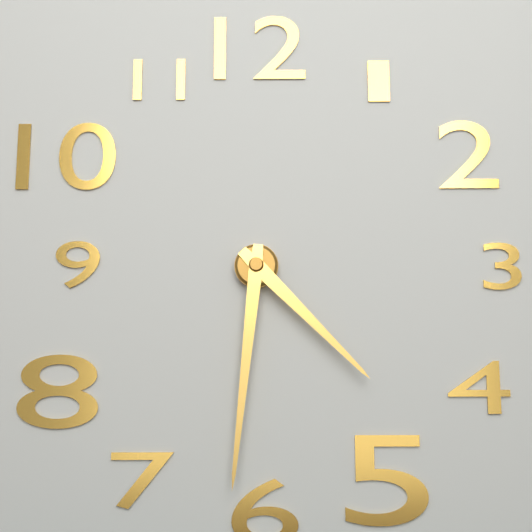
4,31
